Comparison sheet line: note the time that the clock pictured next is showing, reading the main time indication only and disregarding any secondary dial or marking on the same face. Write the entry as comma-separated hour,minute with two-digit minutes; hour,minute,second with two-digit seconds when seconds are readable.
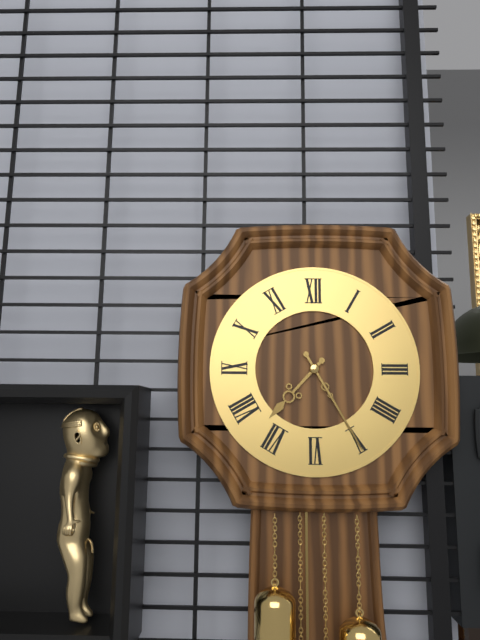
7,25
